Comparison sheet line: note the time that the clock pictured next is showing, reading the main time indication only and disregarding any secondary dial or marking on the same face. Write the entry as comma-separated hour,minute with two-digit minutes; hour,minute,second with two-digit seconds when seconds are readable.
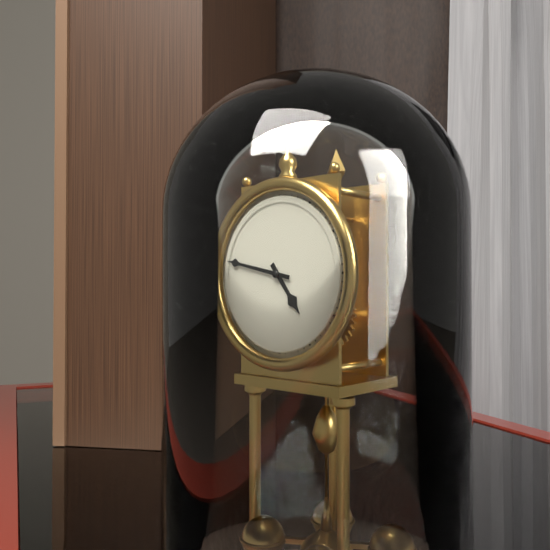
4,47
